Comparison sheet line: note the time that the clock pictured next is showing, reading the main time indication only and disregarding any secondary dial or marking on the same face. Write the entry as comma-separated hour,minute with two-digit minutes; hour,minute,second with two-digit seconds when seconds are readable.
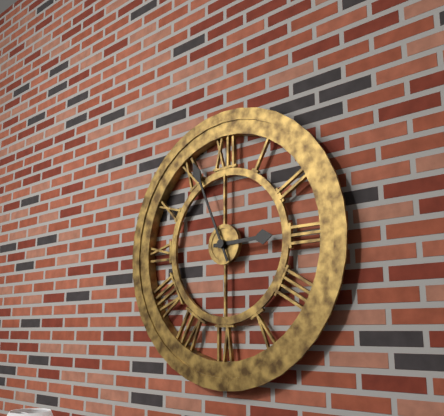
2,56
